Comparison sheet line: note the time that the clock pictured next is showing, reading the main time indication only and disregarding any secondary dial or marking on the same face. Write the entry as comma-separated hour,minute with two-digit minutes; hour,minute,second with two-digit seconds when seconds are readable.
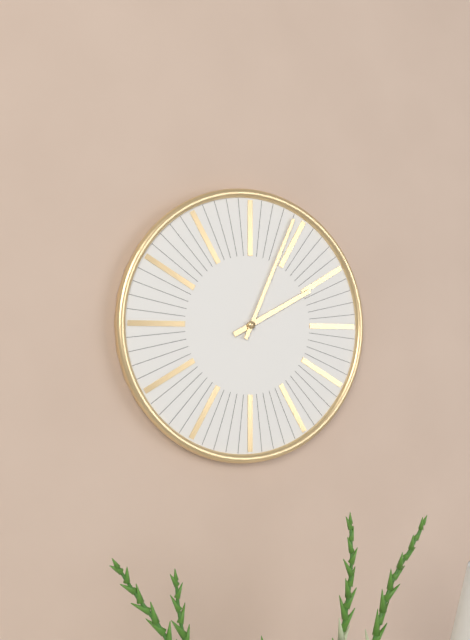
2,04
